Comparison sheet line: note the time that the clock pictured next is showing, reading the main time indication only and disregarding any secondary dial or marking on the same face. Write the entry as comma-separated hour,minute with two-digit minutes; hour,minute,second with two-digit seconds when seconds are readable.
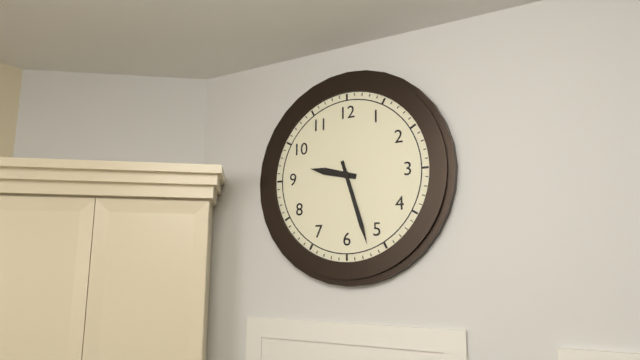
9,27
